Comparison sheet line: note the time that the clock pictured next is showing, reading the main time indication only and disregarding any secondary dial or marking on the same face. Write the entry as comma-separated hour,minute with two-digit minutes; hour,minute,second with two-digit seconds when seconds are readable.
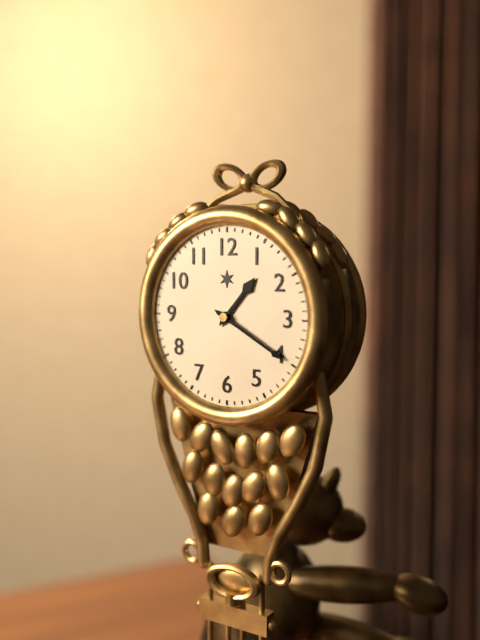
1,20
